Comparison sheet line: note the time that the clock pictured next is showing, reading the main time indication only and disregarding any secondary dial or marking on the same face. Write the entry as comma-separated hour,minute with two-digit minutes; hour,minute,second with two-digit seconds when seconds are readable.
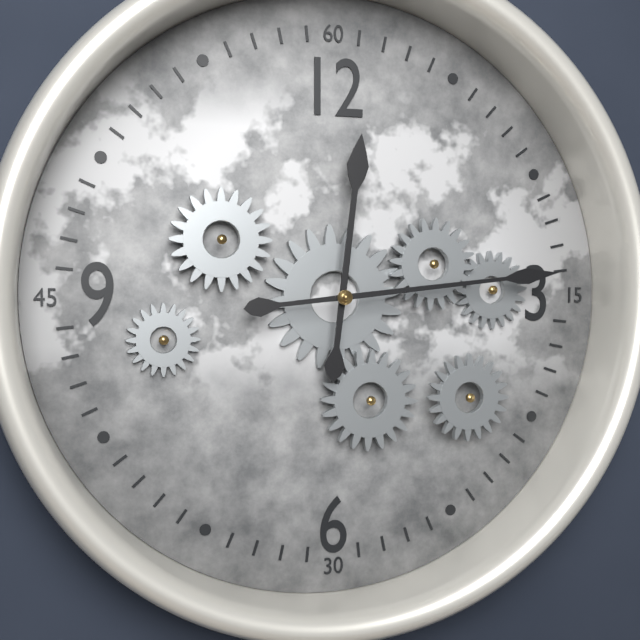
12,14
